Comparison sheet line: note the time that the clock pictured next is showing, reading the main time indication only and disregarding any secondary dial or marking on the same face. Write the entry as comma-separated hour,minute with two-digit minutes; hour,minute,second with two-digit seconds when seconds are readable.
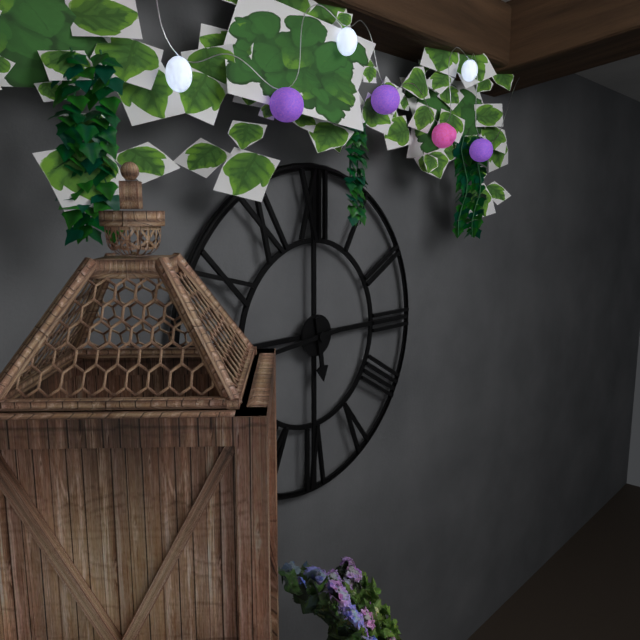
5,44
